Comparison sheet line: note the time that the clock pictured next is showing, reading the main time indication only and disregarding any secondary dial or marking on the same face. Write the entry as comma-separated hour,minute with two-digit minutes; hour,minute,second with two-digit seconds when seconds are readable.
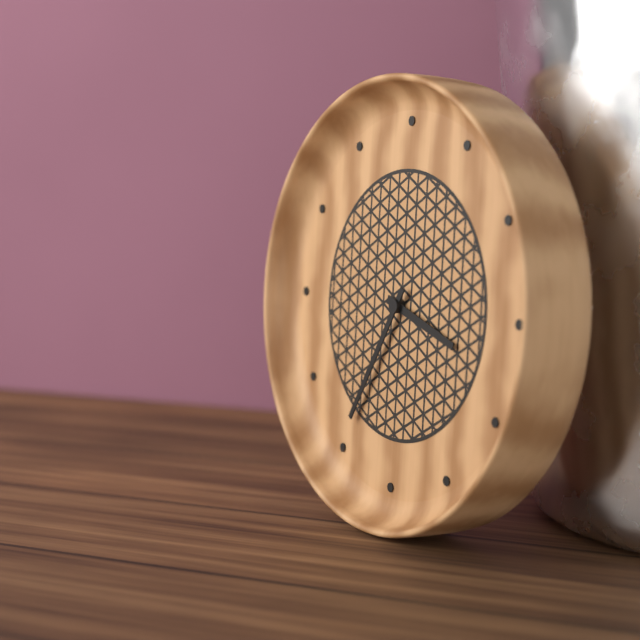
3,35
